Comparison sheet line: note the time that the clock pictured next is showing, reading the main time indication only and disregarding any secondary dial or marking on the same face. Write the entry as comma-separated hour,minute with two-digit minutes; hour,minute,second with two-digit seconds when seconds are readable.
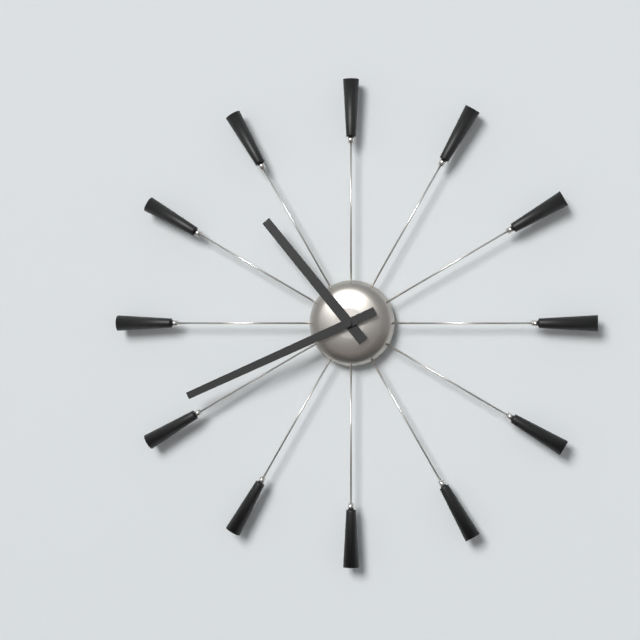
10,41
